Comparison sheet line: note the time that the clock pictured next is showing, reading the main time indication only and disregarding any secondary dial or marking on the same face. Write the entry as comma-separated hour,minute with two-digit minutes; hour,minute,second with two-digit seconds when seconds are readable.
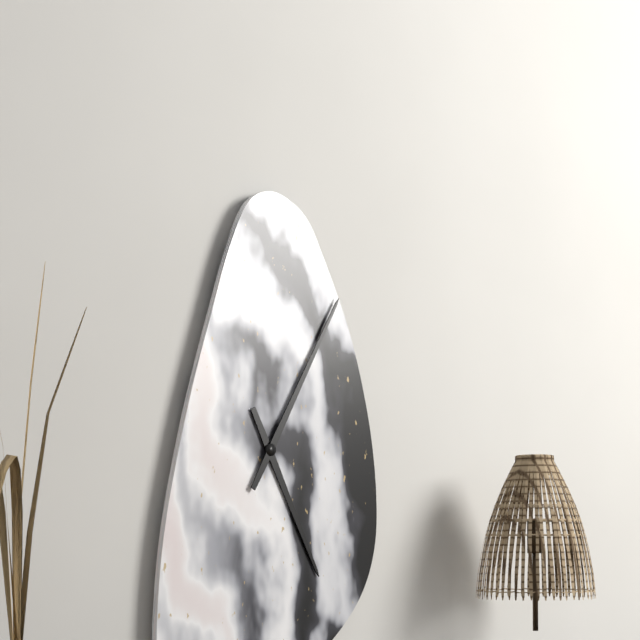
5,05
